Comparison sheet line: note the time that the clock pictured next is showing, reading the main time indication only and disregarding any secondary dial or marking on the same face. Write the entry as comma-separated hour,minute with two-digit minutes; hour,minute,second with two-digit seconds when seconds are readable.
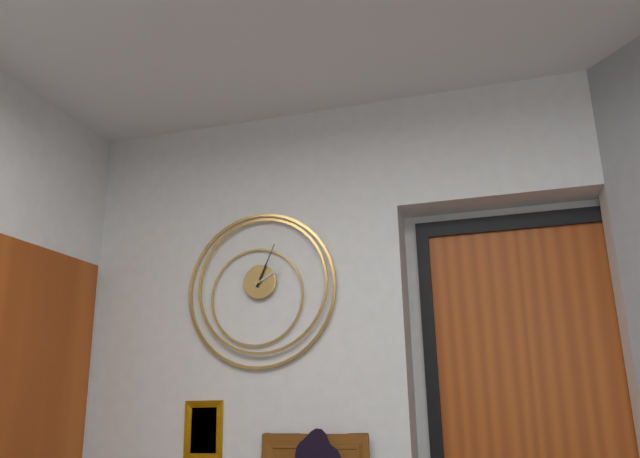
2,04
